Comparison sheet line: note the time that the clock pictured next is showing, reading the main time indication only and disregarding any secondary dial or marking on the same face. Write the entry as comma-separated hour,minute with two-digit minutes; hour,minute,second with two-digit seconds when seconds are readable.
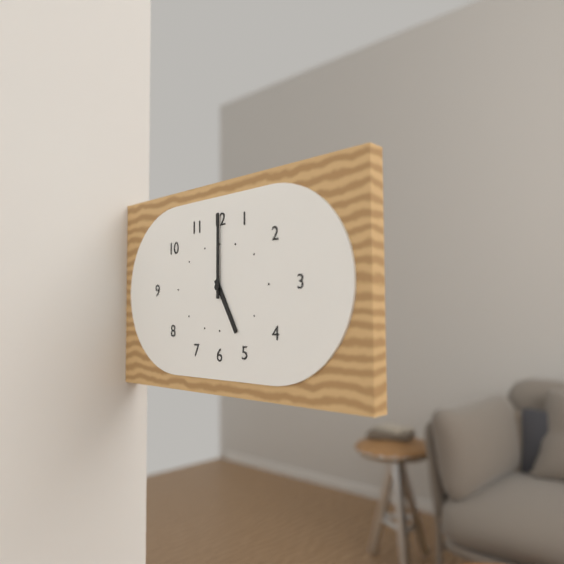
5,00
